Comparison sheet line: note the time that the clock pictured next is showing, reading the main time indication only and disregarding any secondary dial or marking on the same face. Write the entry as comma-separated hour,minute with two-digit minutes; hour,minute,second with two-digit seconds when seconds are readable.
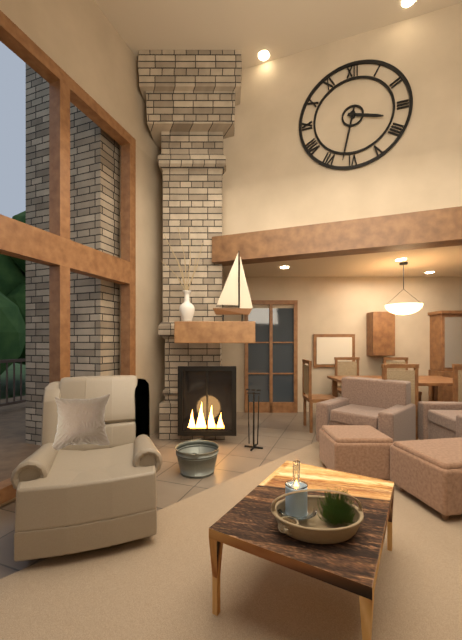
3,32
